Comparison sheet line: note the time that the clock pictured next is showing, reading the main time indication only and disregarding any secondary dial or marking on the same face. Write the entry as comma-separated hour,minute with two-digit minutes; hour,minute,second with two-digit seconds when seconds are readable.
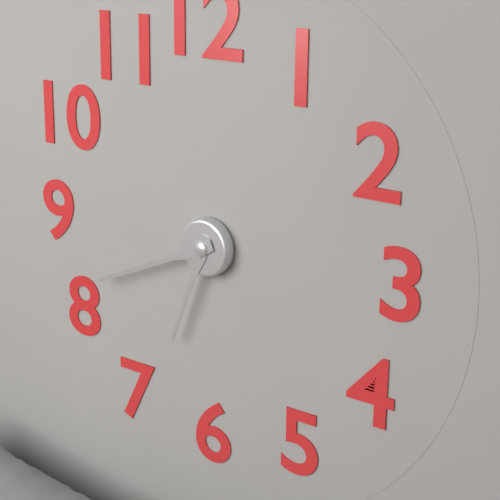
6,41
